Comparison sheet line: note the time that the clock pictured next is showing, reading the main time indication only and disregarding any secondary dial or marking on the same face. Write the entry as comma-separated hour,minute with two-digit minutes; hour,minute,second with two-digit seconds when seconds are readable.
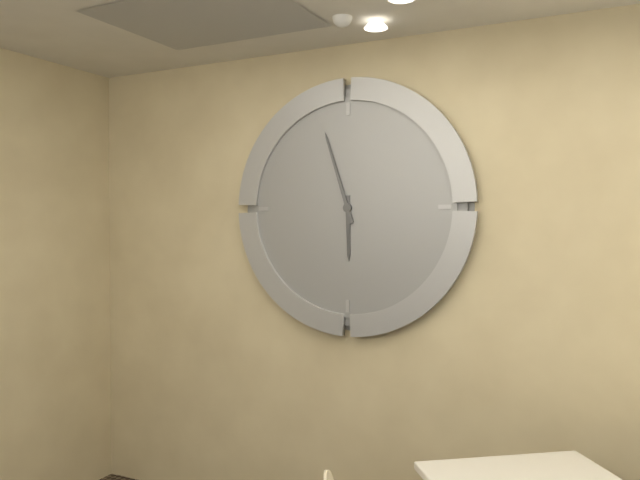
5,57
